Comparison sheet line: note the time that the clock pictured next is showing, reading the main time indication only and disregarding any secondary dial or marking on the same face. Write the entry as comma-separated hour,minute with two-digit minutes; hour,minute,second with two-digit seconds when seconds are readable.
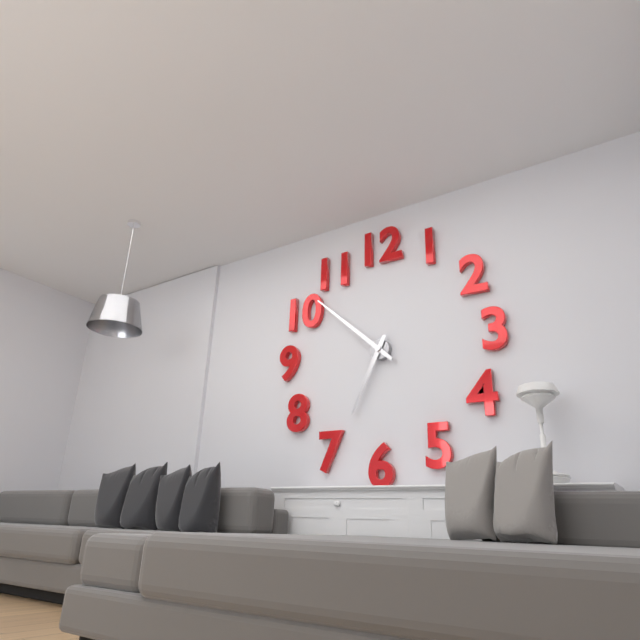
6,52
